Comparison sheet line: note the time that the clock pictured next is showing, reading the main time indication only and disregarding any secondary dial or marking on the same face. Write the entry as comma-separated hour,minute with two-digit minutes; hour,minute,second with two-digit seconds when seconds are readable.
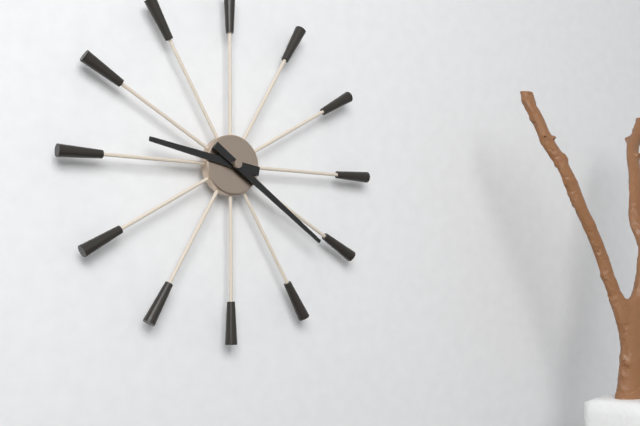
9,21
